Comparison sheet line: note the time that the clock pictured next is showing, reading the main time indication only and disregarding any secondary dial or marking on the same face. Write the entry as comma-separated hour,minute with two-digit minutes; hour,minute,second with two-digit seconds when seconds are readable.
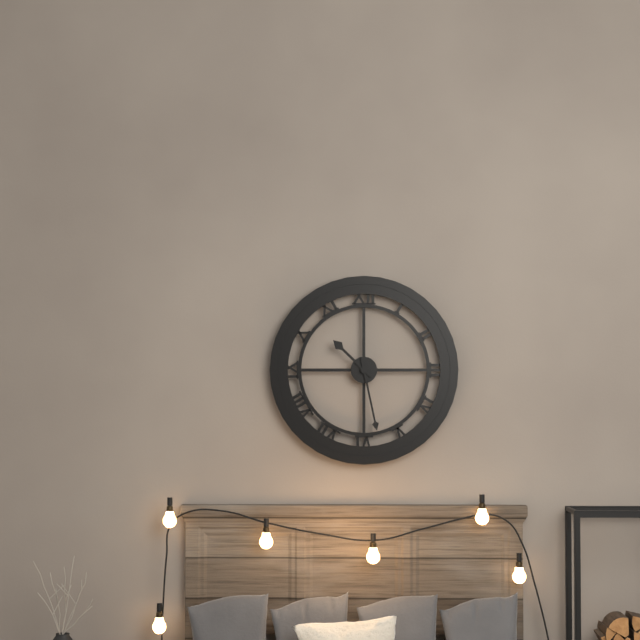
10,28
